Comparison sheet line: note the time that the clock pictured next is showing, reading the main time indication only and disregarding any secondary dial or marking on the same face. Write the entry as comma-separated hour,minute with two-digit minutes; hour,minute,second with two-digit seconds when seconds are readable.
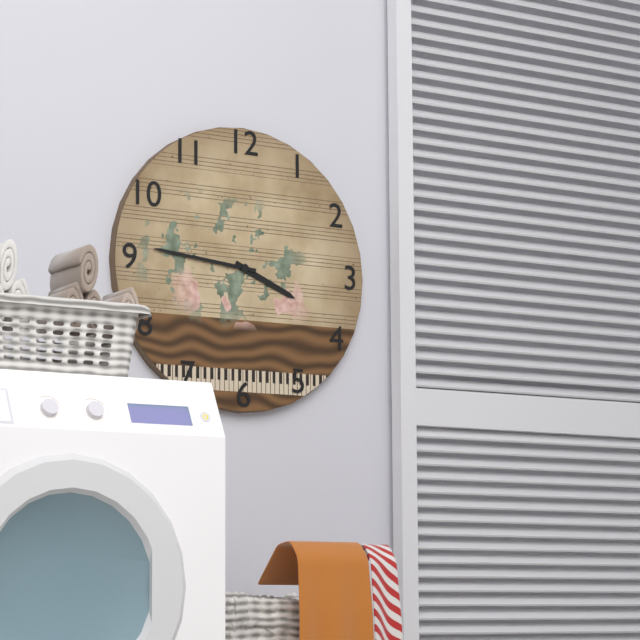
3,46
